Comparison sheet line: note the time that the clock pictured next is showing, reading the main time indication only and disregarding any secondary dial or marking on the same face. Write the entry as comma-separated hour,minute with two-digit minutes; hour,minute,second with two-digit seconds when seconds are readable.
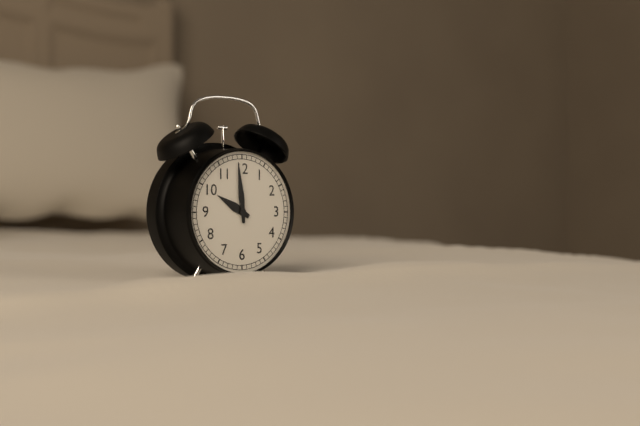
9,59
